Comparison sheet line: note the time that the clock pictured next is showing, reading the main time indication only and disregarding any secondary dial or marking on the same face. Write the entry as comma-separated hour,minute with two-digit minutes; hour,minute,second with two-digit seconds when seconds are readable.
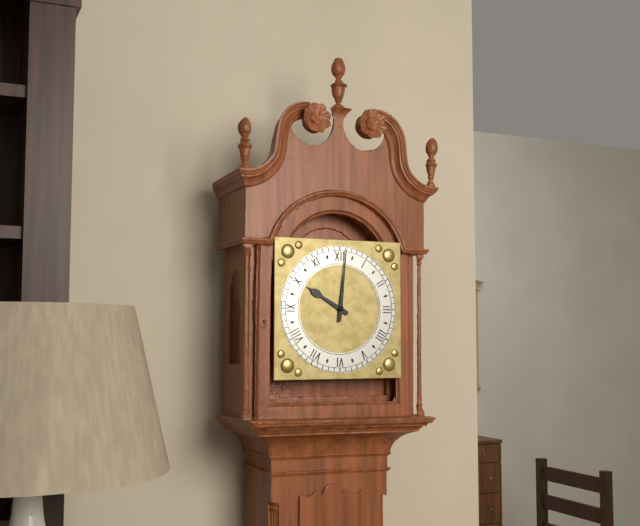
10,01
